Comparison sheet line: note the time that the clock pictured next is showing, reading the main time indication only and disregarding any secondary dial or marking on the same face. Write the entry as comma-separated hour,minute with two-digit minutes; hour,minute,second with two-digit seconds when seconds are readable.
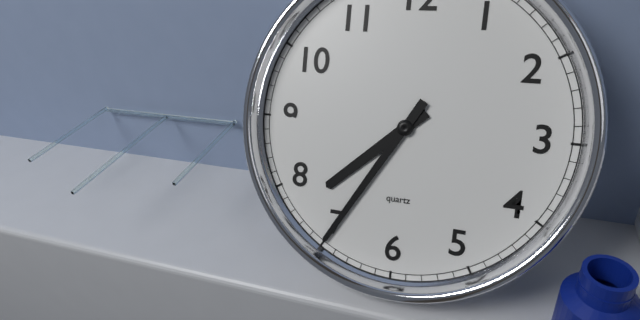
7,35
